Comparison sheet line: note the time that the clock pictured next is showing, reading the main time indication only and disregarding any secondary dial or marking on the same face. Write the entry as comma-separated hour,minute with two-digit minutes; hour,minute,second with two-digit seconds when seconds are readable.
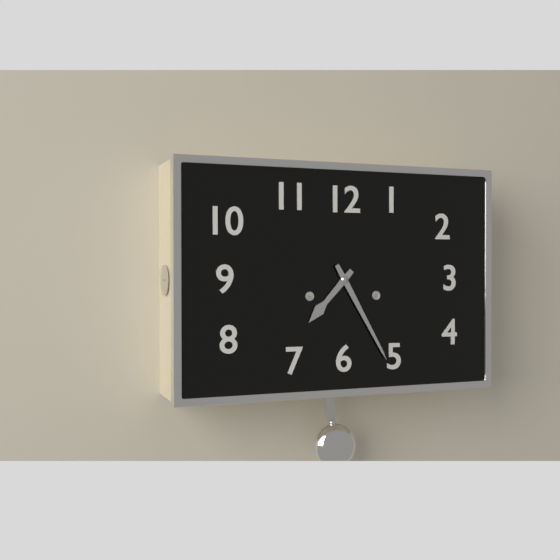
7,25
